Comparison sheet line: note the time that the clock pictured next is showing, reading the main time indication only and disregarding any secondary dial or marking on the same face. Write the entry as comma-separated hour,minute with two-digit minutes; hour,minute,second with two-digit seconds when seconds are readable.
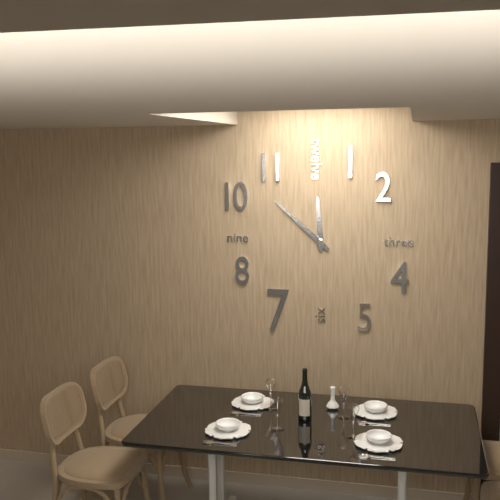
11,52
